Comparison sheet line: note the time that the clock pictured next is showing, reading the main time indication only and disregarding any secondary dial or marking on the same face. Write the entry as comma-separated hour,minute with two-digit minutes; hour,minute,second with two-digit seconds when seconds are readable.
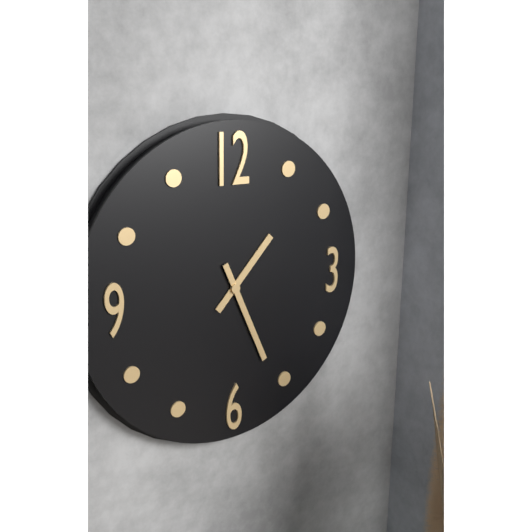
1,26
